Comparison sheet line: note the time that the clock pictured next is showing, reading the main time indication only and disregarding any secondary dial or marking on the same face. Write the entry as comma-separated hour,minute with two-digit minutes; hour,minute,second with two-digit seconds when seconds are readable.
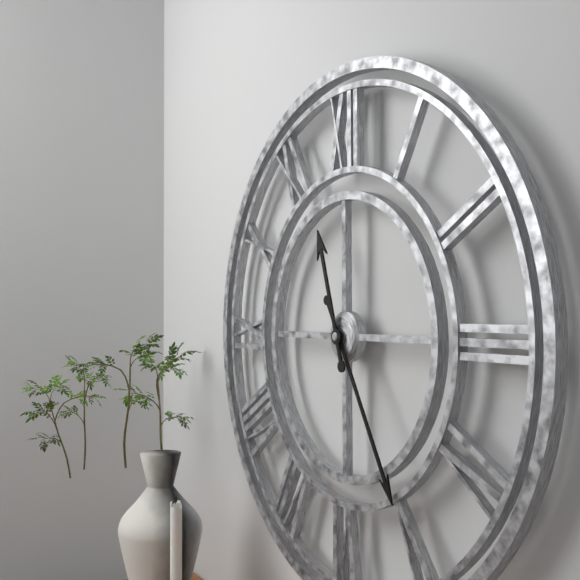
11,25
